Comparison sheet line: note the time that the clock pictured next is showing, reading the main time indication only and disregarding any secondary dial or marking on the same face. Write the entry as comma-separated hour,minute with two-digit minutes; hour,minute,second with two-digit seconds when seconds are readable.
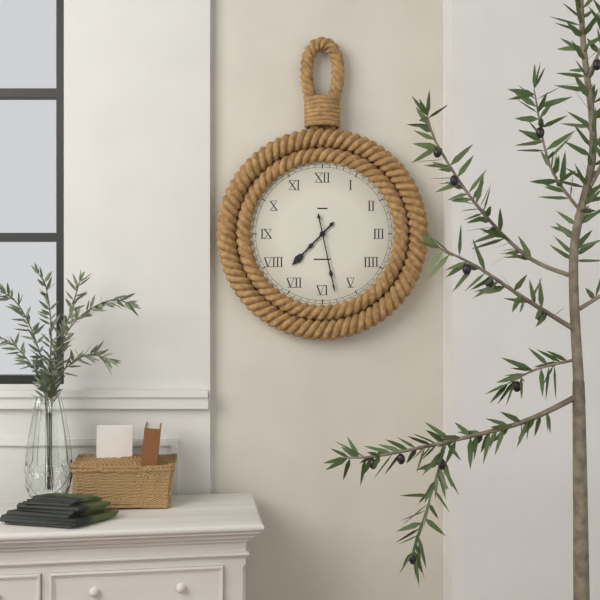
7,28
